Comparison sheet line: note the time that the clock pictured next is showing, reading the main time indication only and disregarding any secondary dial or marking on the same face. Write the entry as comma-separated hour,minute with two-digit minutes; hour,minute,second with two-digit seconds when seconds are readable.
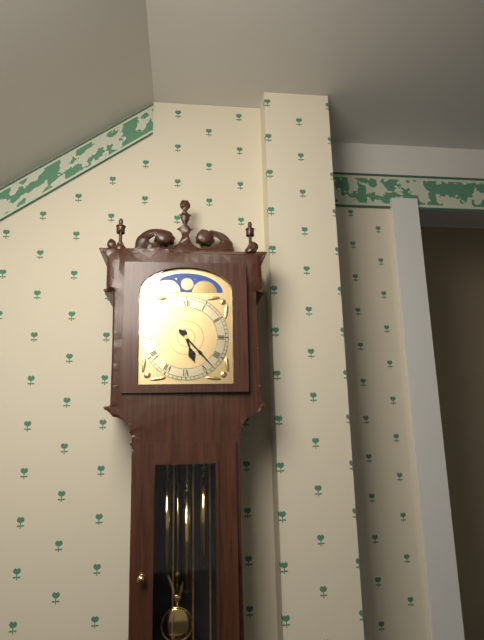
5,23
